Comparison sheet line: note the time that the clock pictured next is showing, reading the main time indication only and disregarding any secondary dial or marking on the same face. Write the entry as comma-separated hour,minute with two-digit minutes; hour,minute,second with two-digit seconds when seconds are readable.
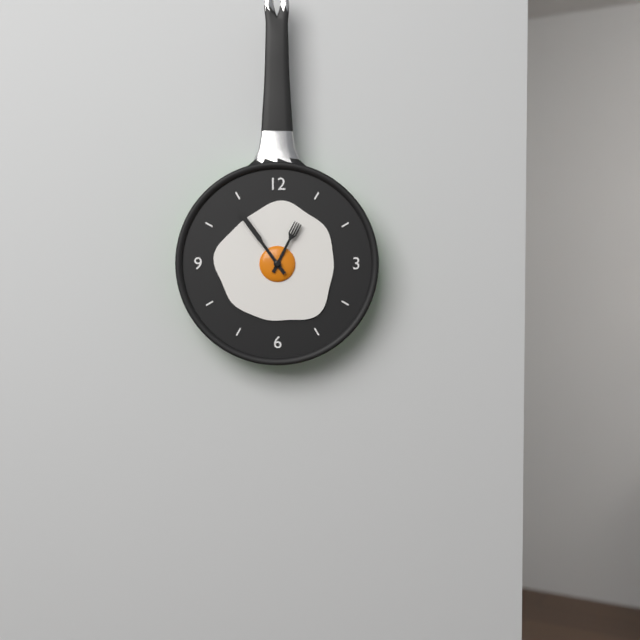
12,54
